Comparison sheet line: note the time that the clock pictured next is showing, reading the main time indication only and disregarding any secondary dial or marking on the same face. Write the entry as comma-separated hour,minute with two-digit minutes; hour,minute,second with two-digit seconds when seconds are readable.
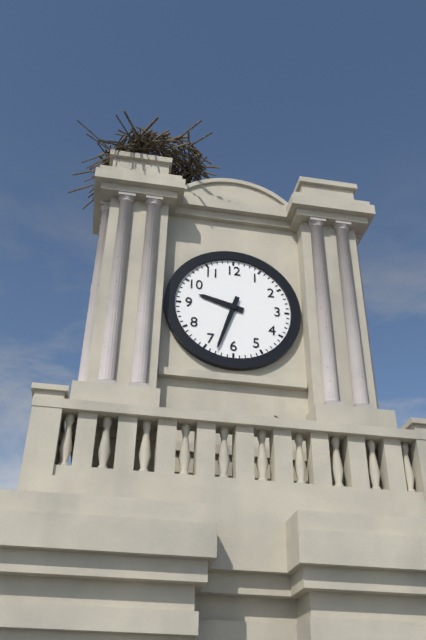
9,33
